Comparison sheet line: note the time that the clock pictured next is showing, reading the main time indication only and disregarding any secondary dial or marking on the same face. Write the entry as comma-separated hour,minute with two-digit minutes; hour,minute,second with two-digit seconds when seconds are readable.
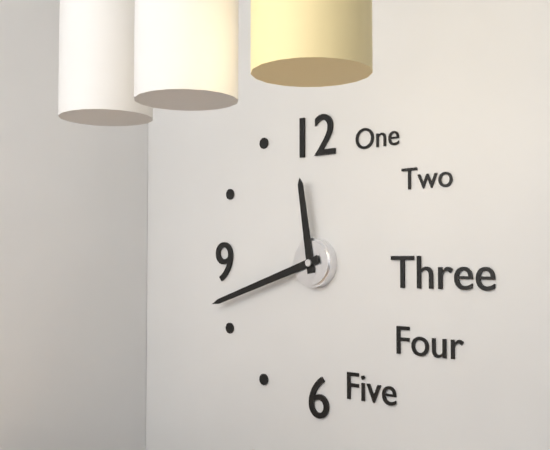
11,42
